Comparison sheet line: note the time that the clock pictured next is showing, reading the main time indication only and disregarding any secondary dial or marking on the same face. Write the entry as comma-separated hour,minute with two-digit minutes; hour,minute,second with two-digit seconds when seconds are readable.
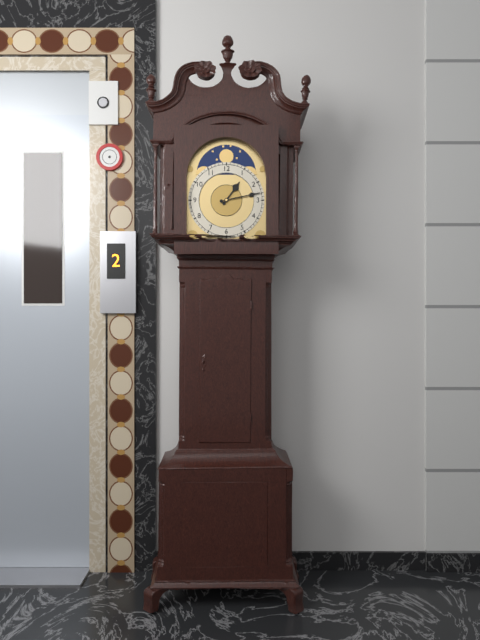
1,13
